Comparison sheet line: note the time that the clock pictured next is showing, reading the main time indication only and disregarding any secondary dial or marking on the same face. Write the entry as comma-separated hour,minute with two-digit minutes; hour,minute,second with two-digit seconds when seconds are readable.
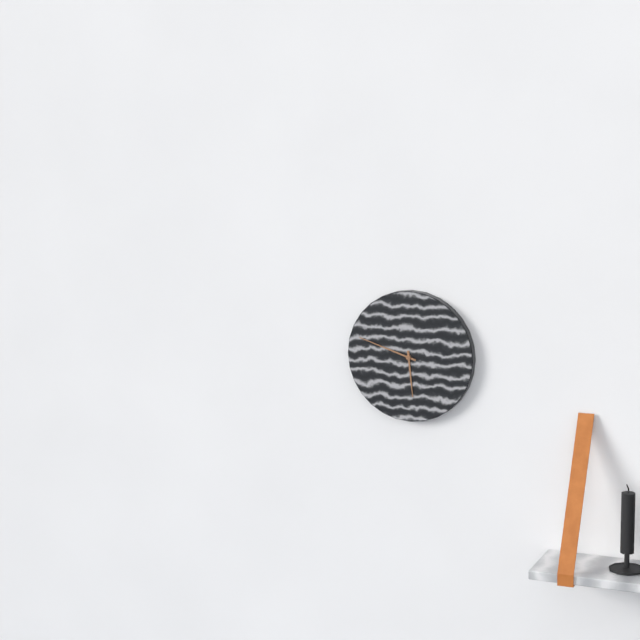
5,48
